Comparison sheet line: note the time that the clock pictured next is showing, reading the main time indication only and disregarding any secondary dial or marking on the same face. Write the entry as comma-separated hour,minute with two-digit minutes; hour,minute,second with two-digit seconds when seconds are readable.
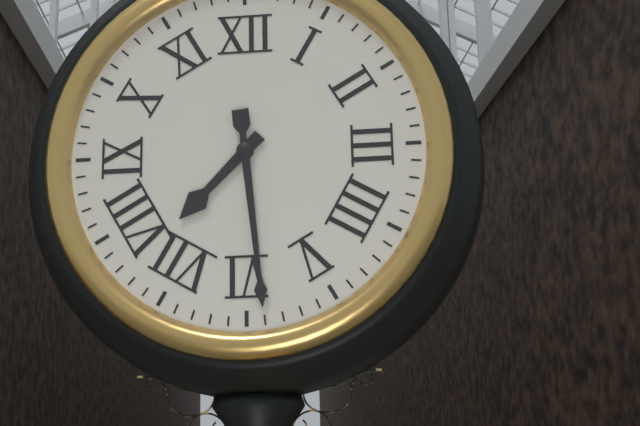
7,29
